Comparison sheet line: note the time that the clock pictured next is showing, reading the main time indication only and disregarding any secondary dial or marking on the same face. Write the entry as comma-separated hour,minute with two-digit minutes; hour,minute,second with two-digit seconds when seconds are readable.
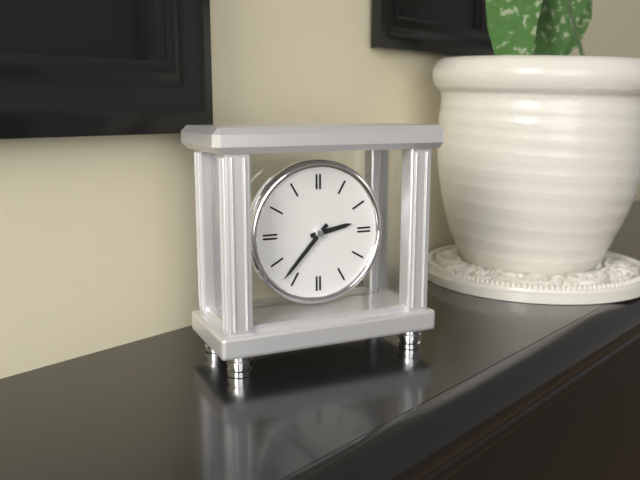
2,37
